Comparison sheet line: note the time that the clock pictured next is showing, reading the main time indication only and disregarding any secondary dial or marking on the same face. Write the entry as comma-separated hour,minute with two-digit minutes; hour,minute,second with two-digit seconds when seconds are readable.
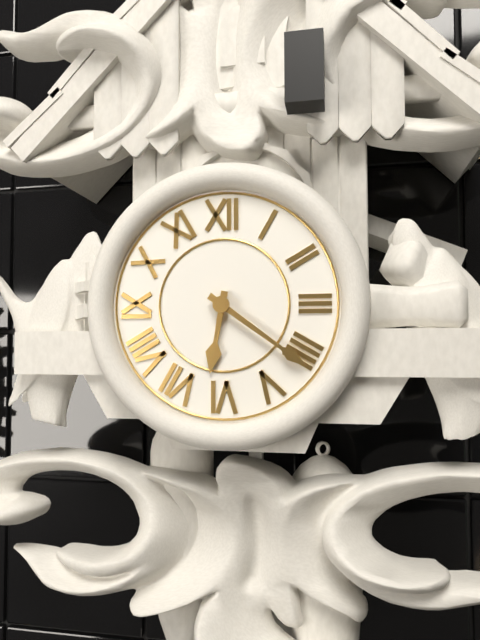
6,21
